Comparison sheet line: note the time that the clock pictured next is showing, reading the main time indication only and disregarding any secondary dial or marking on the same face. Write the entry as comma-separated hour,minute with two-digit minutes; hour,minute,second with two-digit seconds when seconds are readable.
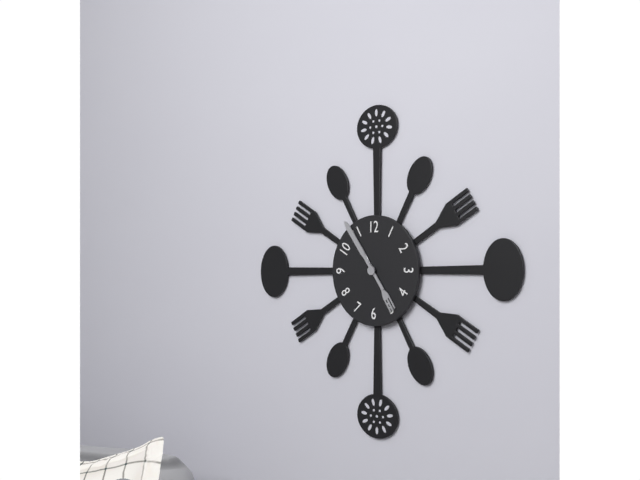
4,54
